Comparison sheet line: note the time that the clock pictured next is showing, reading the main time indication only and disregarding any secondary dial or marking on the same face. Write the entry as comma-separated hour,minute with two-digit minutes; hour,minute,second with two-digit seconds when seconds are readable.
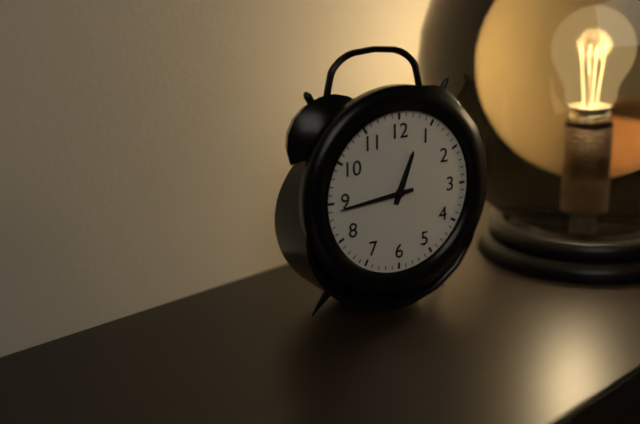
12,44
